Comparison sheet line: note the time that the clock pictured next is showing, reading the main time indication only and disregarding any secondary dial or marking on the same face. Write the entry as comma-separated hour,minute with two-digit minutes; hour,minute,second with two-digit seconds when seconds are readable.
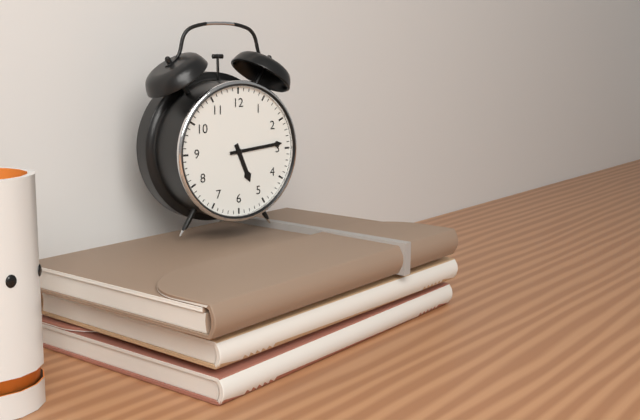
5,14
